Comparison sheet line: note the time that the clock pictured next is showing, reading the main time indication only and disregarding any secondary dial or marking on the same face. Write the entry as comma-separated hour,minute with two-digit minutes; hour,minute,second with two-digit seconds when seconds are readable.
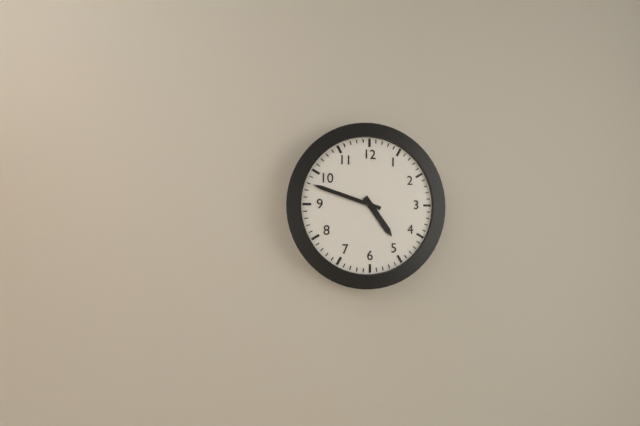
4,48
